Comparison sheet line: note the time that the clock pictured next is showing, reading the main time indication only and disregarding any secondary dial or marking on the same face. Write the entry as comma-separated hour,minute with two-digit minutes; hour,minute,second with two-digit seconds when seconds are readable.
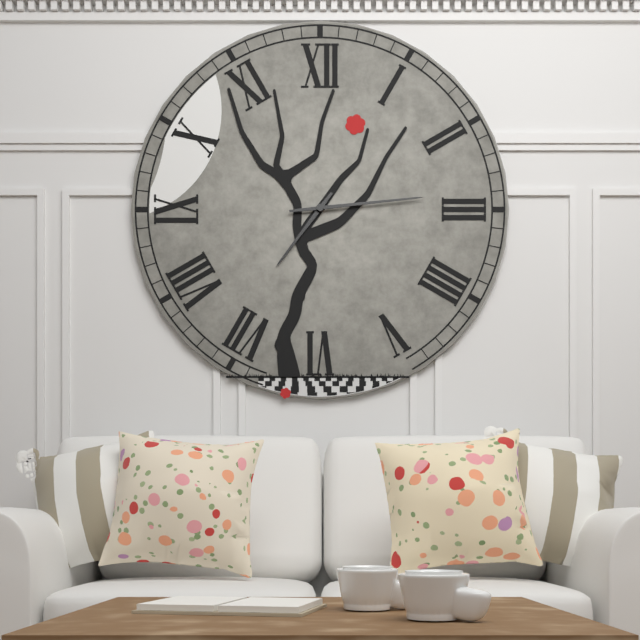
7,14
